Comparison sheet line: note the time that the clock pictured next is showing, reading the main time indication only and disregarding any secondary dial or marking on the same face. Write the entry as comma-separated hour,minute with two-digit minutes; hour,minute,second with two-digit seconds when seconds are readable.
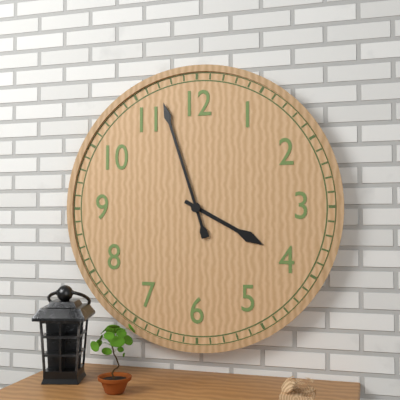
3,57
